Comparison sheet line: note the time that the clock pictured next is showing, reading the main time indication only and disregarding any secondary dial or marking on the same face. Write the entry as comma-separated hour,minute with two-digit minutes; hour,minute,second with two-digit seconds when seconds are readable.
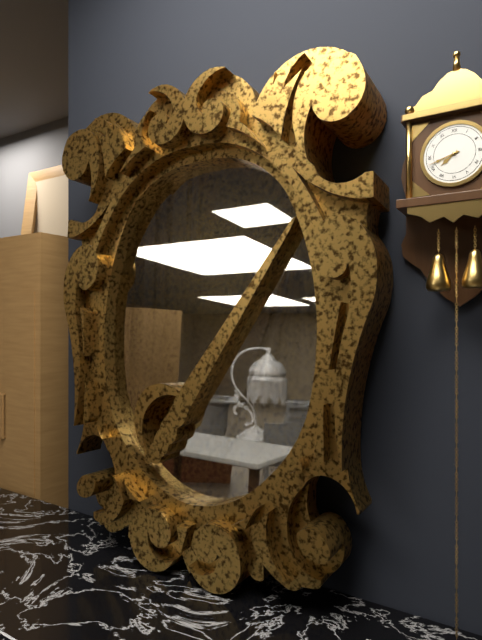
7,42
